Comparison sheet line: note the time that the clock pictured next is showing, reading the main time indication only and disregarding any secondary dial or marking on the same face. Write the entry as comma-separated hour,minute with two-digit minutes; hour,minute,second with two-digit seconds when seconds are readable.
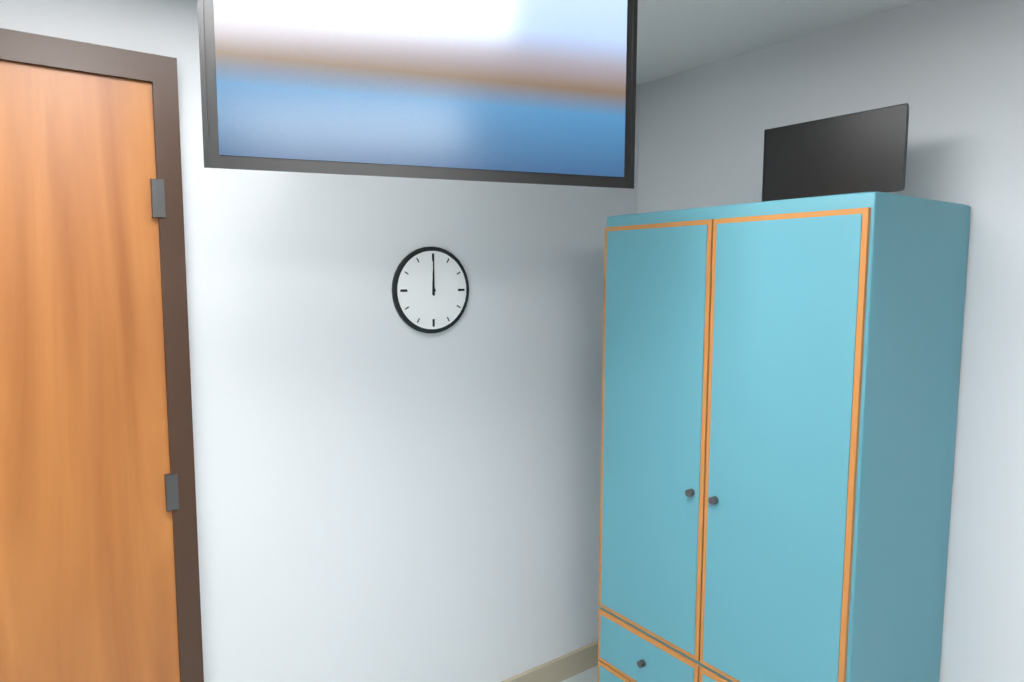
12,00
